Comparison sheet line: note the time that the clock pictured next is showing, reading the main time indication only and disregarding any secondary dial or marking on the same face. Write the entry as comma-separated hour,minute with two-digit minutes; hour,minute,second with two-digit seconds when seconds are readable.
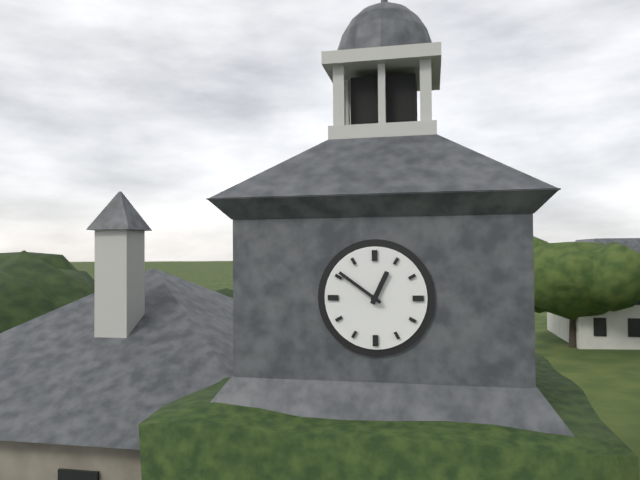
12,51
